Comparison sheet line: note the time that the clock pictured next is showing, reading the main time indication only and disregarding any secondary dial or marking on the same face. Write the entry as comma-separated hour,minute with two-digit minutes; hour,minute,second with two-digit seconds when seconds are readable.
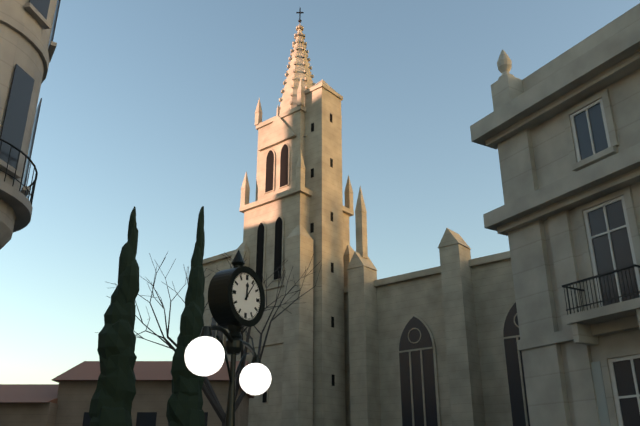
12,06
